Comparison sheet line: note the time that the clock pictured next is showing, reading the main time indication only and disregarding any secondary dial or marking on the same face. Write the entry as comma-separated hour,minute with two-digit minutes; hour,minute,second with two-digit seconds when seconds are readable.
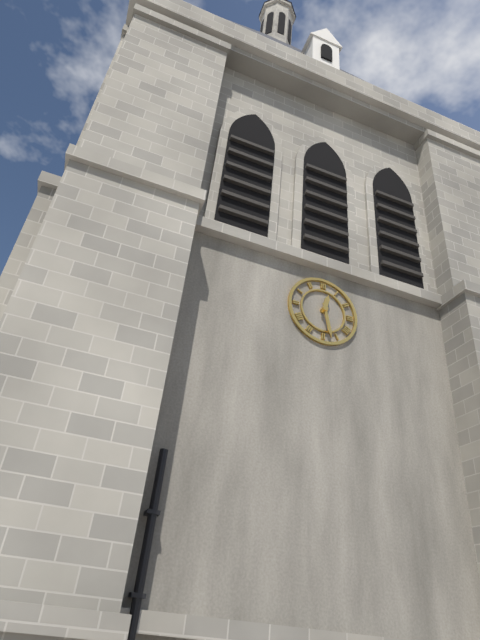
12,28
